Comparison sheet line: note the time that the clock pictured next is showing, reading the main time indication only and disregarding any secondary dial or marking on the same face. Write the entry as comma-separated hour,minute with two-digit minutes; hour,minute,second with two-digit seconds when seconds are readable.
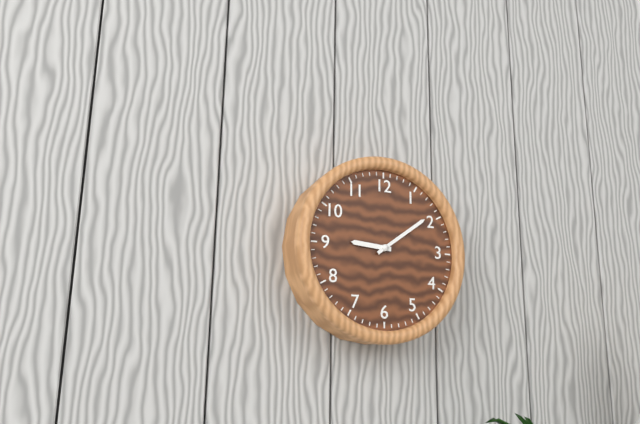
9,09
